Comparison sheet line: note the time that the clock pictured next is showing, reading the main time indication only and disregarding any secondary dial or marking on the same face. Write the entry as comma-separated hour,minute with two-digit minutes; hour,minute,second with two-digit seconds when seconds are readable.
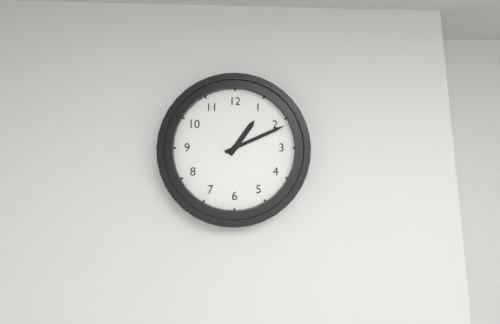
1,11
